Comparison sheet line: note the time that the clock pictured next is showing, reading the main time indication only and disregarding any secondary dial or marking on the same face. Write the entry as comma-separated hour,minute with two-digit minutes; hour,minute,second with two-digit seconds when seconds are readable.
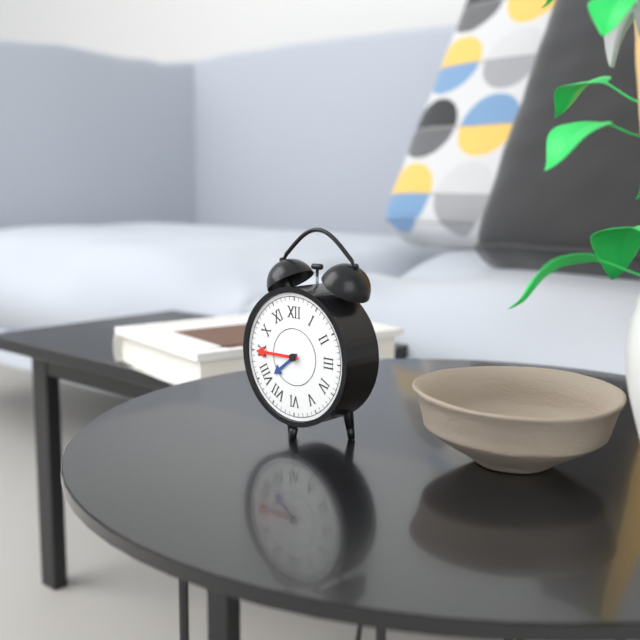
7,45
